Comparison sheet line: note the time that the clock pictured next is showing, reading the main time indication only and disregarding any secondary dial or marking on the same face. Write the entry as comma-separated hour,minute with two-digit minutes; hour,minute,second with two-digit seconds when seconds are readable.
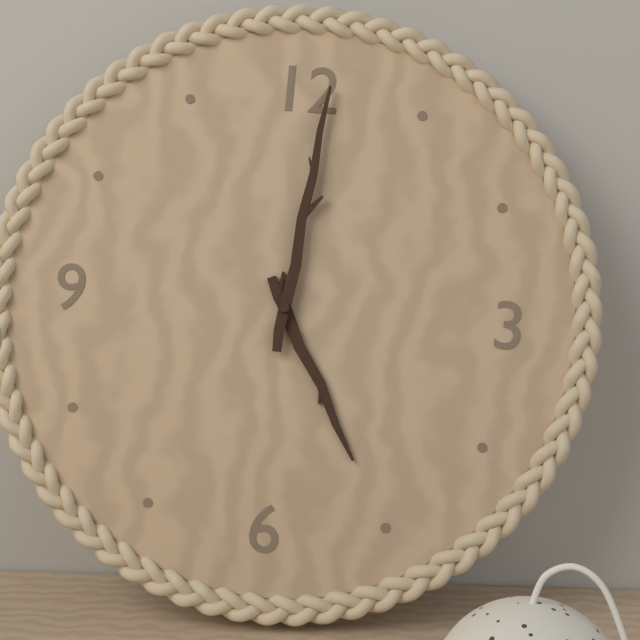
5,01
